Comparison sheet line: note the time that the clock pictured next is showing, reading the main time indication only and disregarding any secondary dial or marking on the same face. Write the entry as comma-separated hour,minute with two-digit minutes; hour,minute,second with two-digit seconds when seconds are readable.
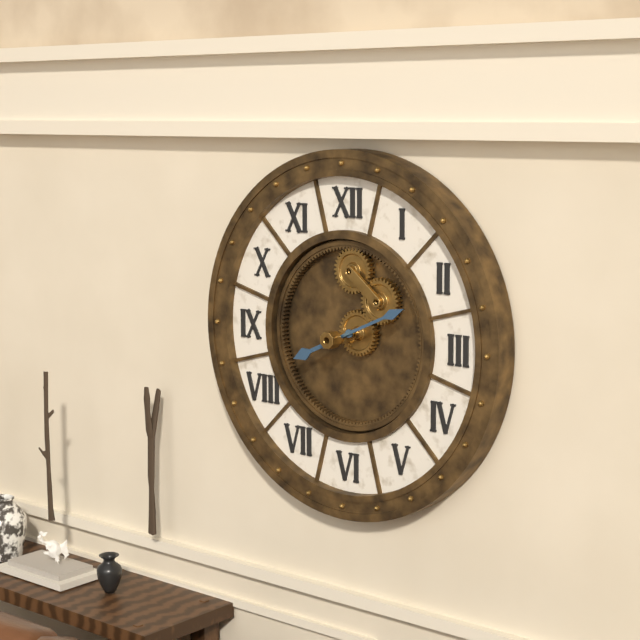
8,11
